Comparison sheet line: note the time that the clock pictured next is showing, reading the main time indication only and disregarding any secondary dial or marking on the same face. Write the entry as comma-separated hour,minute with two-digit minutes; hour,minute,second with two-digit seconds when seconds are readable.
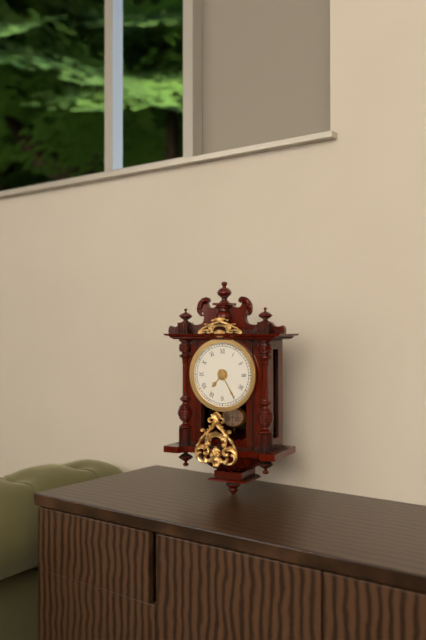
7,25
